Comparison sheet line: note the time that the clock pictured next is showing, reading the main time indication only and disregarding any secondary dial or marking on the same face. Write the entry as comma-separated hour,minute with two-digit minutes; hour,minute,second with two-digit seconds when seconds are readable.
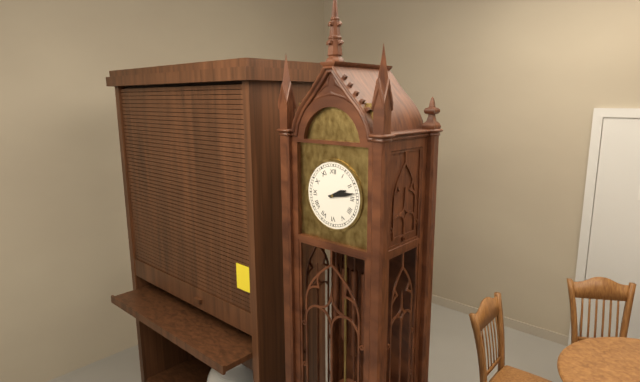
2,13
